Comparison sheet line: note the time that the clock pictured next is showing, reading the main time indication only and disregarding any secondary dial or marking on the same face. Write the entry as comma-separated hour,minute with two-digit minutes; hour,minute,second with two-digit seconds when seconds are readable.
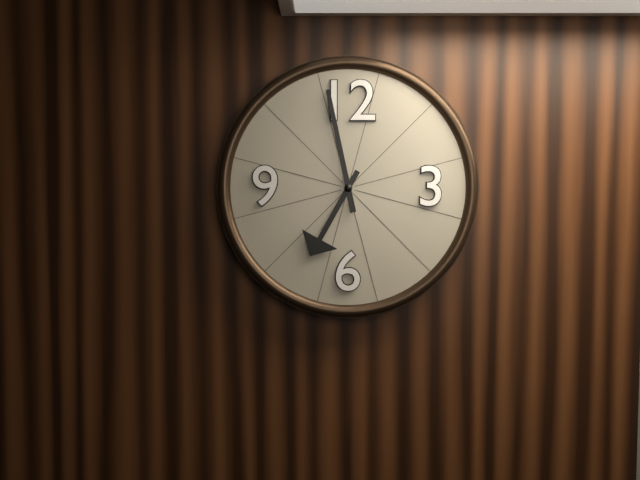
6,58
